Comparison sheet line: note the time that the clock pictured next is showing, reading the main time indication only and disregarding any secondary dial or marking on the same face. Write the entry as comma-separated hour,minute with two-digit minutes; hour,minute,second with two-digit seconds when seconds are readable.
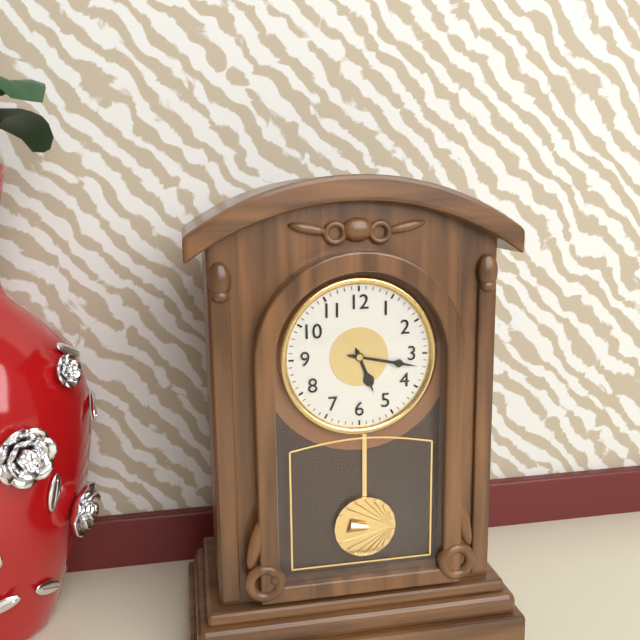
5,17
